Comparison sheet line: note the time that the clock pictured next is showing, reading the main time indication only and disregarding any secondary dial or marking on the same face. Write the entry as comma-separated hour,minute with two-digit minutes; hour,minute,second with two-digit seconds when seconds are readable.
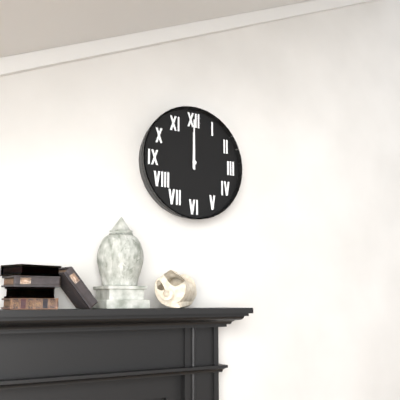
12,00
